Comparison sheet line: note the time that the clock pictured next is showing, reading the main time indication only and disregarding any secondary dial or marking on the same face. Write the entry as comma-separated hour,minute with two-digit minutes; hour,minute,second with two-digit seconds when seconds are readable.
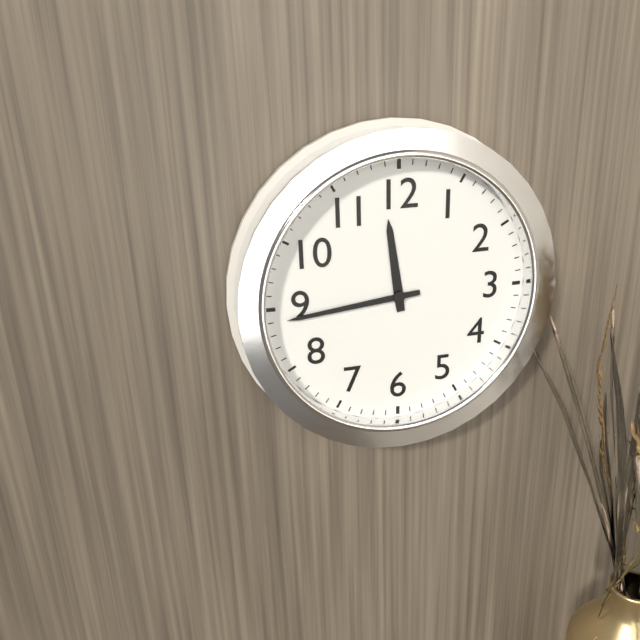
11,44
